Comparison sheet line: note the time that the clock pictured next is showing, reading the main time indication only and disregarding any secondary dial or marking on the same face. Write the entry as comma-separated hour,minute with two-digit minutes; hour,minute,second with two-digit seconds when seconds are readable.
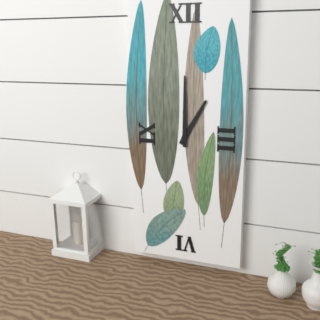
1,00
